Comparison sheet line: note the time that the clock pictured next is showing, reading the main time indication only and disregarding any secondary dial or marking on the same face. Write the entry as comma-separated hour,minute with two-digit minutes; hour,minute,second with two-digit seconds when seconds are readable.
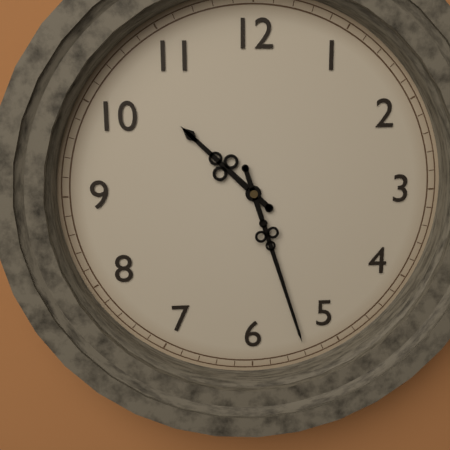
10,27
